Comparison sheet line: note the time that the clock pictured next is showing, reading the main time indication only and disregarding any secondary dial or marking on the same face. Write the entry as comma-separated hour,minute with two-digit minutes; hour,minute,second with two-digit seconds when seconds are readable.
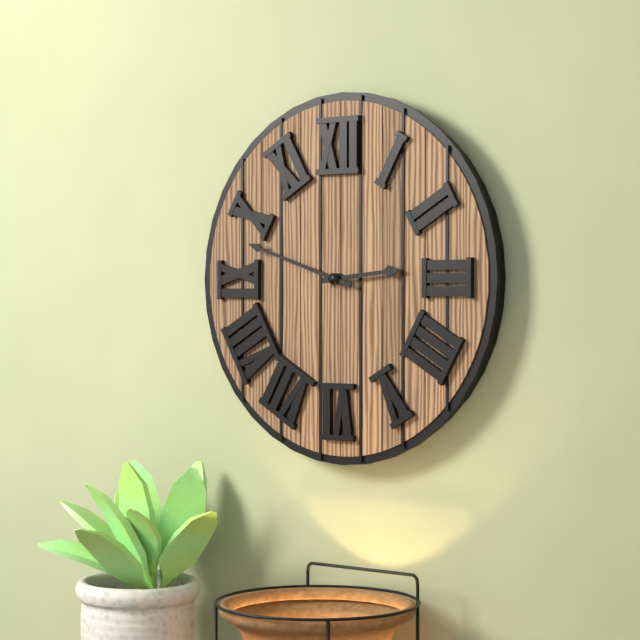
2,48
